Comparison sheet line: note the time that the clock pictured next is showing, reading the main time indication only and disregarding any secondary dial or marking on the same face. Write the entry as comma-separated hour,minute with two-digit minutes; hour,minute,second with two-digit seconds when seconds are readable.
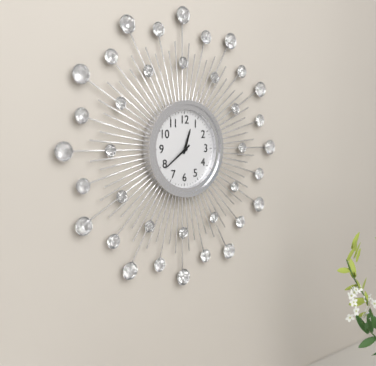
12,39
